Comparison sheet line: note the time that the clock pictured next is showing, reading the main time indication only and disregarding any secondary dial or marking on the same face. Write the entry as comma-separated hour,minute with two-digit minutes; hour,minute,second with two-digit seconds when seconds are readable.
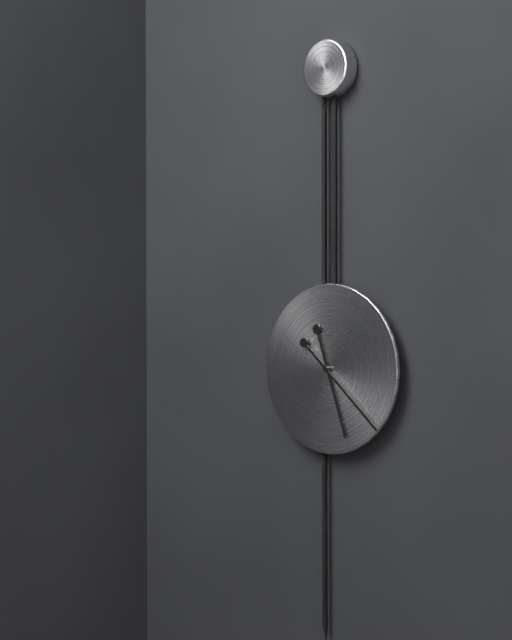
5,22
